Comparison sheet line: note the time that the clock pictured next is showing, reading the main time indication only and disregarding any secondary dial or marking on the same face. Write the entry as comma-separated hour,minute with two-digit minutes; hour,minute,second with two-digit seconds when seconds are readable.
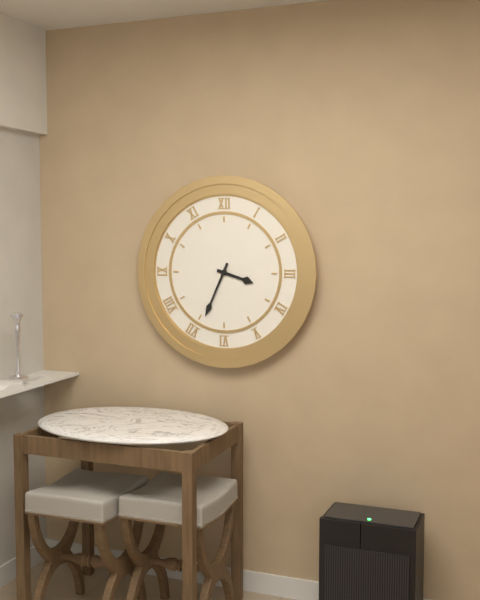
3,34
